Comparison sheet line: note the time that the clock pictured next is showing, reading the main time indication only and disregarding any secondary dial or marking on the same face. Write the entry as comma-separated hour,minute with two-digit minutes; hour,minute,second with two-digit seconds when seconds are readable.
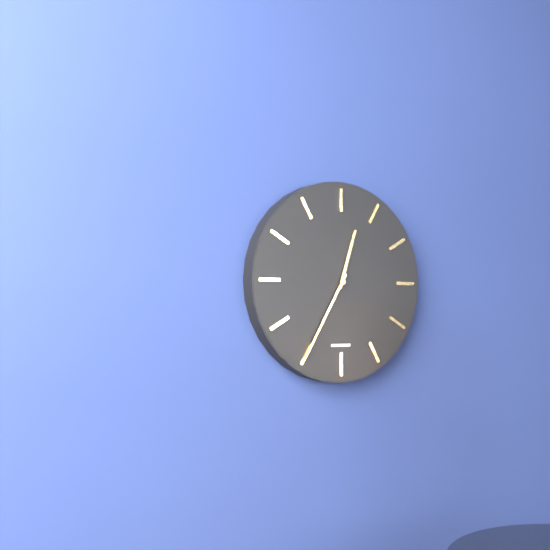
12,35
